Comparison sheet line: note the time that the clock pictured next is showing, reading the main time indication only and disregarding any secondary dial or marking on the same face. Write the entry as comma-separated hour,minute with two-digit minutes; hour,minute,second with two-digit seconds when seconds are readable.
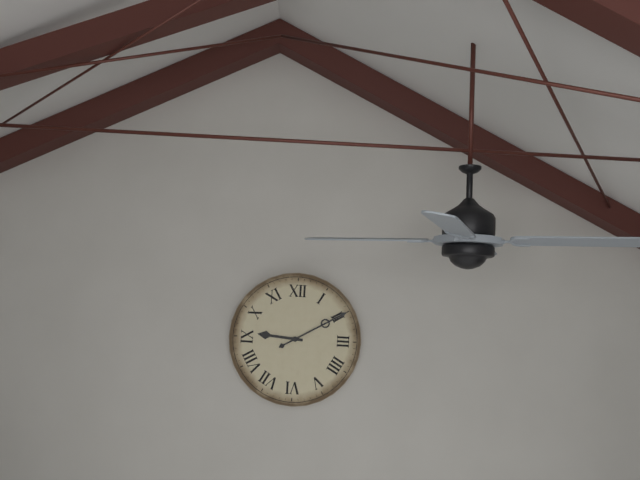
9,10
